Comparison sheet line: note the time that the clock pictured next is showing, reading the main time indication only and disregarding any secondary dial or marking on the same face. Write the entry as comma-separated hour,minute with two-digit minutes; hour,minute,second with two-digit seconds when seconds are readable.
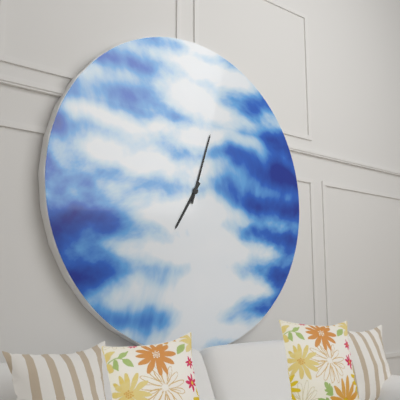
7,03
